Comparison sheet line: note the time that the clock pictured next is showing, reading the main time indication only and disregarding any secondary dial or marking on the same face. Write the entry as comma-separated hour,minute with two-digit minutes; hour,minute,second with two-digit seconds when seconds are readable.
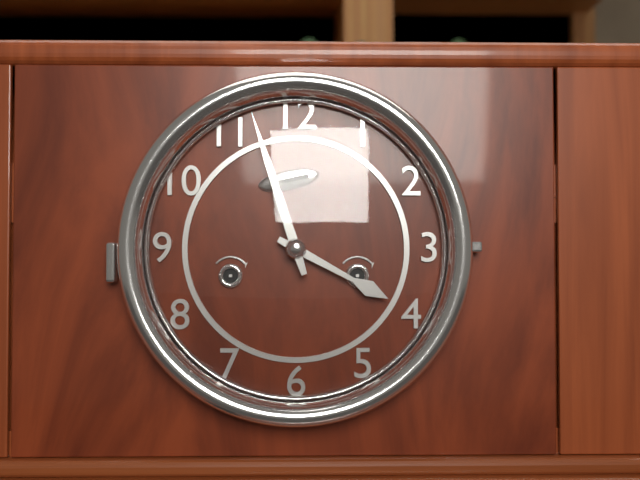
3,57
